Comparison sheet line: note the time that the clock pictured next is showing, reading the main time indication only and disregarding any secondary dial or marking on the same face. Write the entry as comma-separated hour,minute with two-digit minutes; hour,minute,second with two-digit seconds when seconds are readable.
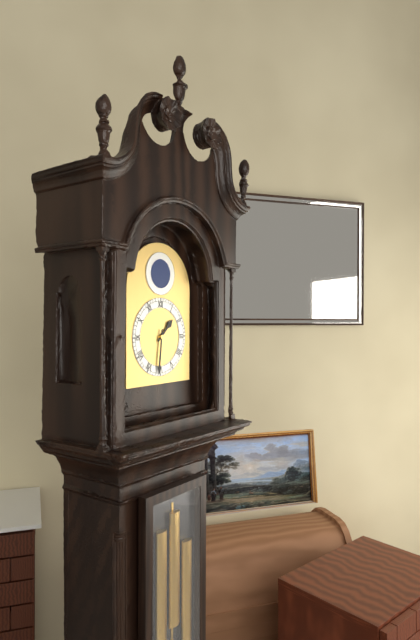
1,31
